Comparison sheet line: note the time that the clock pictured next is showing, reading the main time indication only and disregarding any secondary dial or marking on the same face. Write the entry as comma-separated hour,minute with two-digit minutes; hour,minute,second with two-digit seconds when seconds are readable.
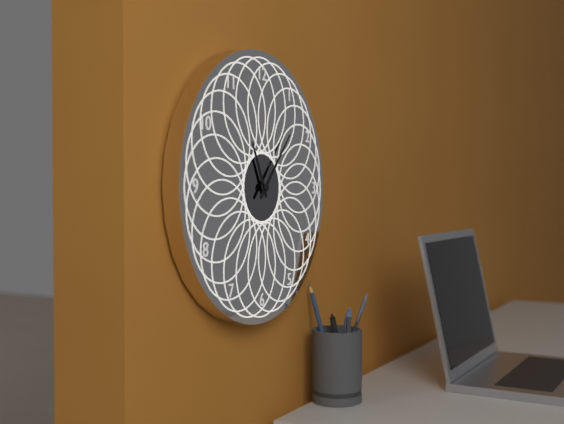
11,07
